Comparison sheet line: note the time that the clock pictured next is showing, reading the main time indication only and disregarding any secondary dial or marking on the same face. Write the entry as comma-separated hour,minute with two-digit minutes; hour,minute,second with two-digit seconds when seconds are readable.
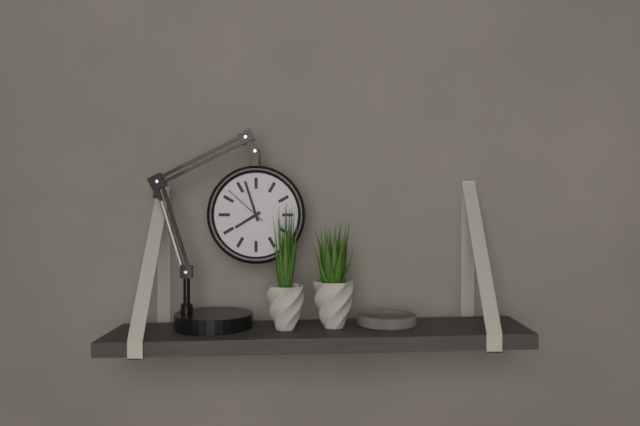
7,57
